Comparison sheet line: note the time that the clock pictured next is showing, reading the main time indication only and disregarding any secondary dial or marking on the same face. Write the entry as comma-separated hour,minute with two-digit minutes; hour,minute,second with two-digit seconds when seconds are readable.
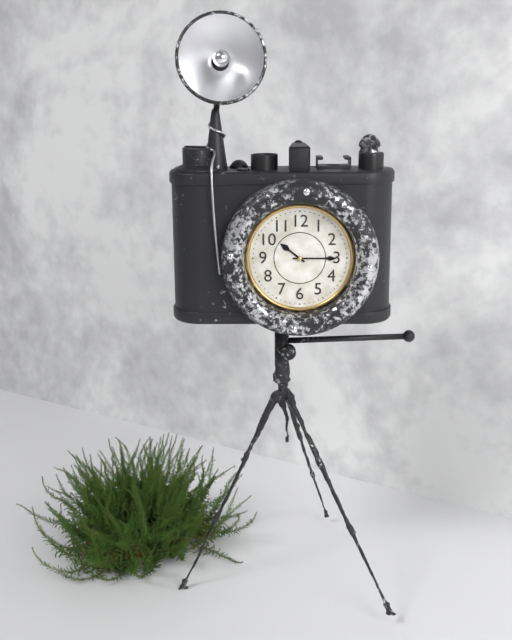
10,15
